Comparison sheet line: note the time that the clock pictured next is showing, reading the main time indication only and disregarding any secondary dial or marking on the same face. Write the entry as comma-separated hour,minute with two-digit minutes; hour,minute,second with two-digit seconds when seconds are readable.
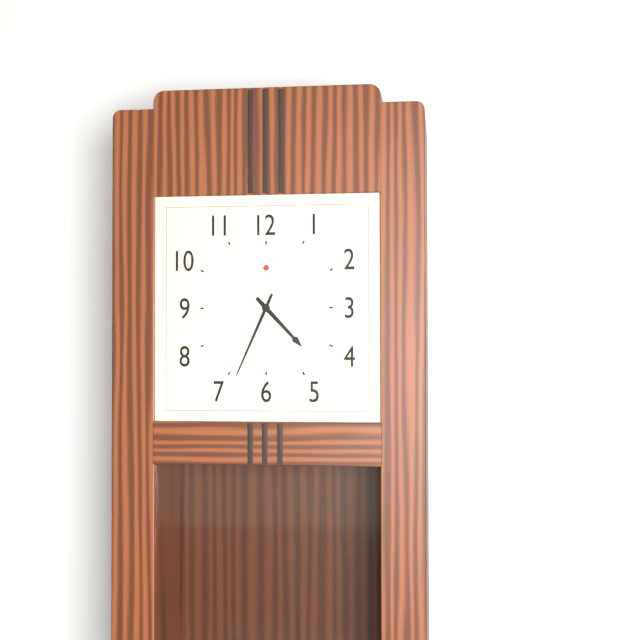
4,34
